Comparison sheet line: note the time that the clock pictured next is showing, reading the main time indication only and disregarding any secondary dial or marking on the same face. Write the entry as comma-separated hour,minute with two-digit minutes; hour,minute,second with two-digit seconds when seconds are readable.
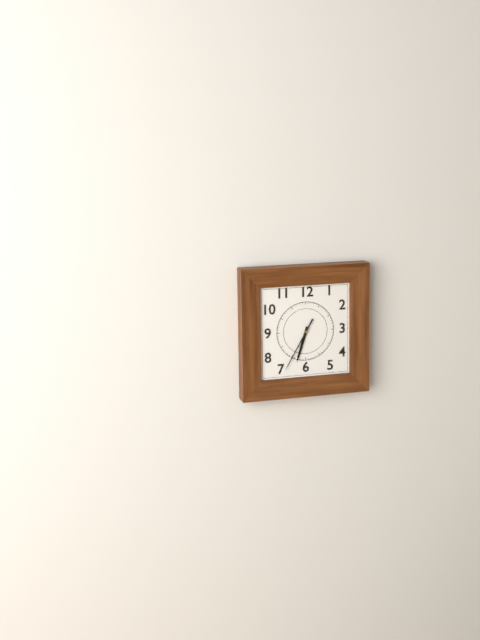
6,35
